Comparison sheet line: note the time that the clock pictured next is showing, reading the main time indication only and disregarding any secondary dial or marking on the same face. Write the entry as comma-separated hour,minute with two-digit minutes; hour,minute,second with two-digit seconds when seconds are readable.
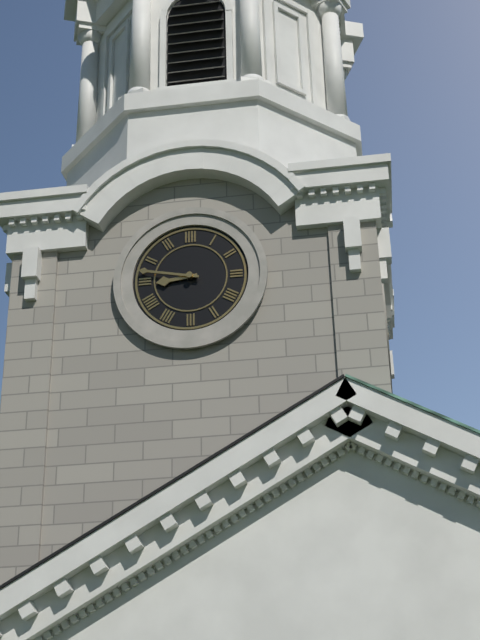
8,47
